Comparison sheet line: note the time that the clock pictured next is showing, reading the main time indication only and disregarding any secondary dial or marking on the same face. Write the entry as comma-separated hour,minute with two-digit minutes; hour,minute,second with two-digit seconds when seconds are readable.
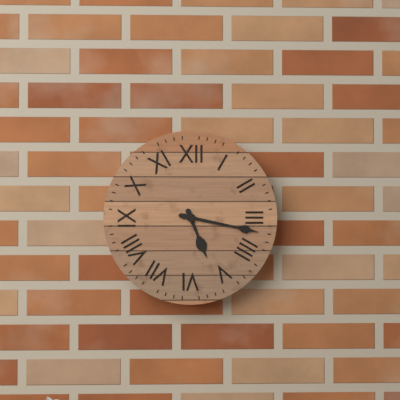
5,17
